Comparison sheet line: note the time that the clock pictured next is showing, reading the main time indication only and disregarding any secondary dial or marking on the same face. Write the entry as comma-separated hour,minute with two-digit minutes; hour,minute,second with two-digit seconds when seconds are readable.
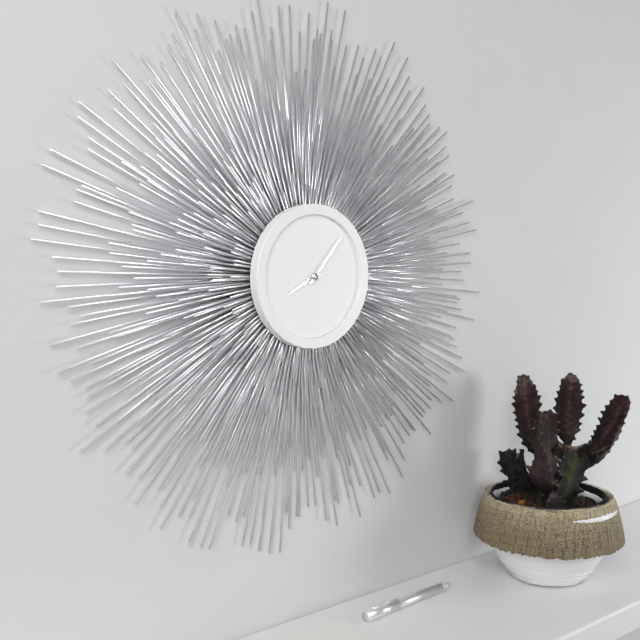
8,07
